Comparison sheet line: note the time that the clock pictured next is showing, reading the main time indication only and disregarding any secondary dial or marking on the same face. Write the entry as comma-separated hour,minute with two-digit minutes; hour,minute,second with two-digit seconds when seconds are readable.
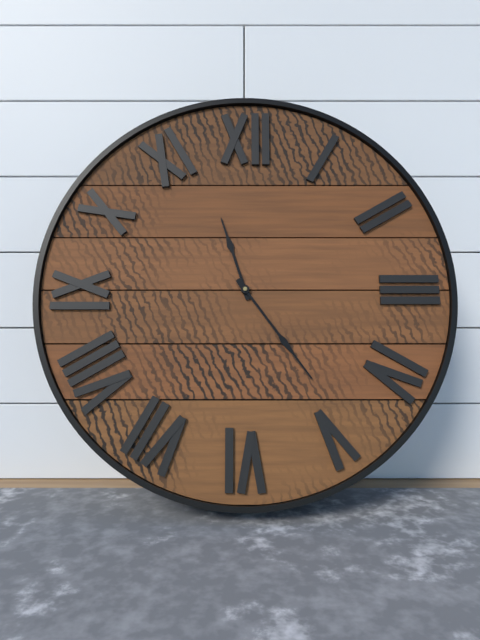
11,24
